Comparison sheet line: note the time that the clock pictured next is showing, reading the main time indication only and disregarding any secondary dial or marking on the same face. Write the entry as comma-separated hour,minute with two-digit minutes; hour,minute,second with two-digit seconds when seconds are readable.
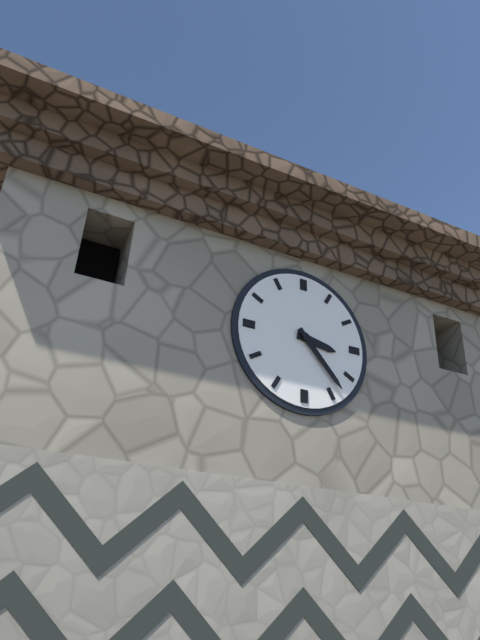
3,23
